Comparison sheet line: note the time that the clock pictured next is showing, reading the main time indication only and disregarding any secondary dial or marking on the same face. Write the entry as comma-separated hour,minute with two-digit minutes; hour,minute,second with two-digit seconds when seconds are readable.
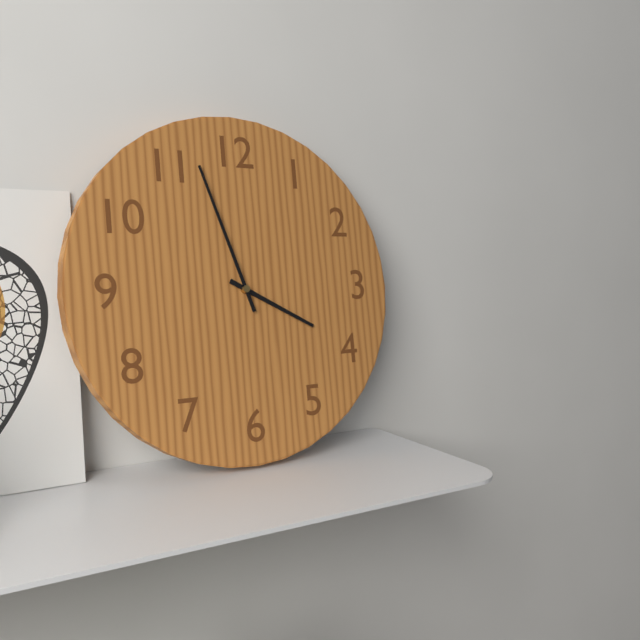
3,57
